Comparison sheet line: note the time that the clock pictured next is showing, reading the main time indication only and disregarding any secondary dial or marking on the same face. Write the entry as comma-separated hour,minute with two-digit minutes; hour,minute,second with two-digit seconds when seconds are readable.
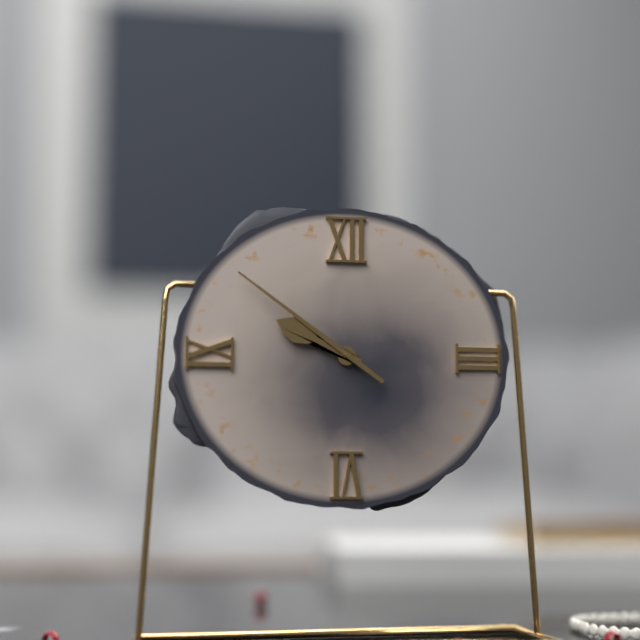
9,51
